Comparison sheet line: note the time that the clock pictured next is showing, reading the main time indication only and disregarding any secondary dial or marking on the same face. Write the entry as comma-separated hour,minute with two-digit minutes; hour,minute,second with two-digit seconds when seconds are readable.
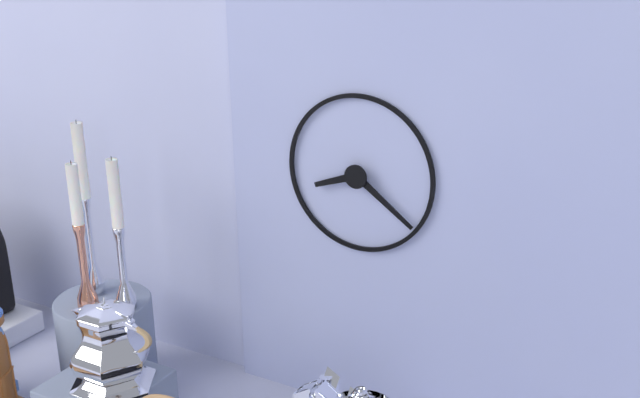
8,21
